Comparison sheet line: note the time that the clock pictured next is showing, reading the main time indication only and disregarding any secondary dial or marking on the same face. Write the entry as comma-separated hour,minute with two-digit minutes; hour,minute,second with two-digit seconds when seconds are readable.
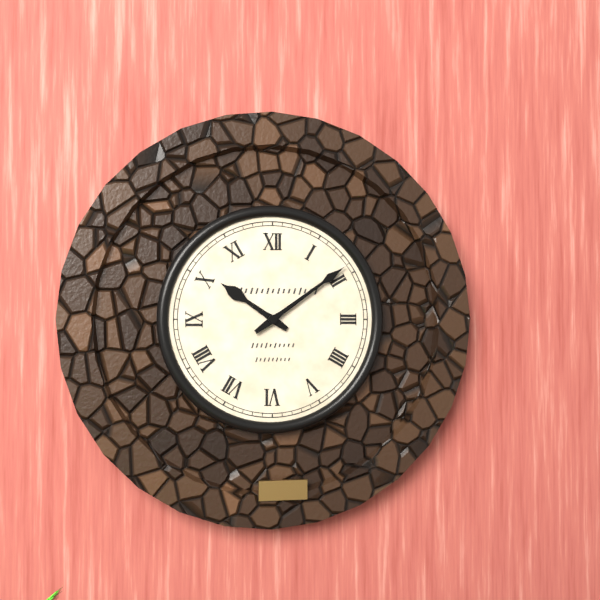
10,09
